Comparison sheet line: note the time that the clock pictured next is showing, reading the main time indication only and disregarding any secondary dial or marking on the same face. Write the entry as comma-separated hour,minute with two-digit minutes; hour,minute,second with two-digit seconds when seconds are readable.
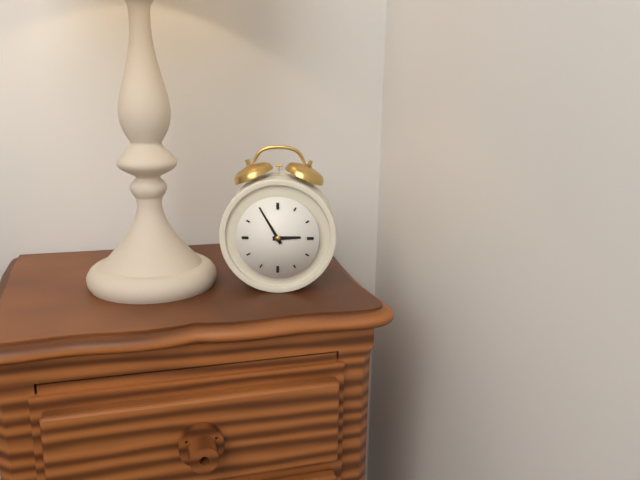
2,55
